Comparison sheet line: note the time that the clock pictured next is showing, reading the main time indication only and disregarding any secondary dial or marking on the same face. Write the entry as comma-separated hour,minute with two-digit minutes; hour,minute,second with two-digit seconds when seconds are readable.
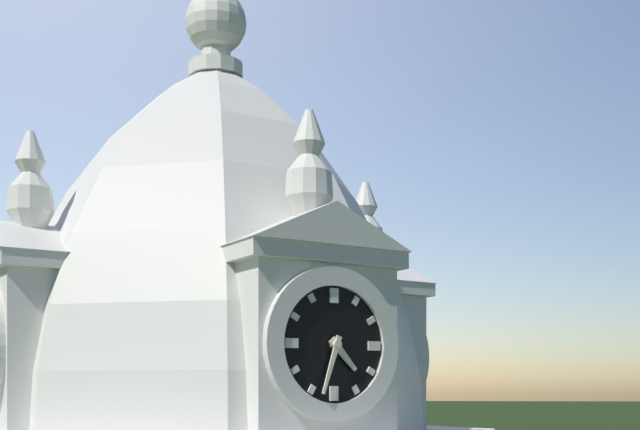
4,33
